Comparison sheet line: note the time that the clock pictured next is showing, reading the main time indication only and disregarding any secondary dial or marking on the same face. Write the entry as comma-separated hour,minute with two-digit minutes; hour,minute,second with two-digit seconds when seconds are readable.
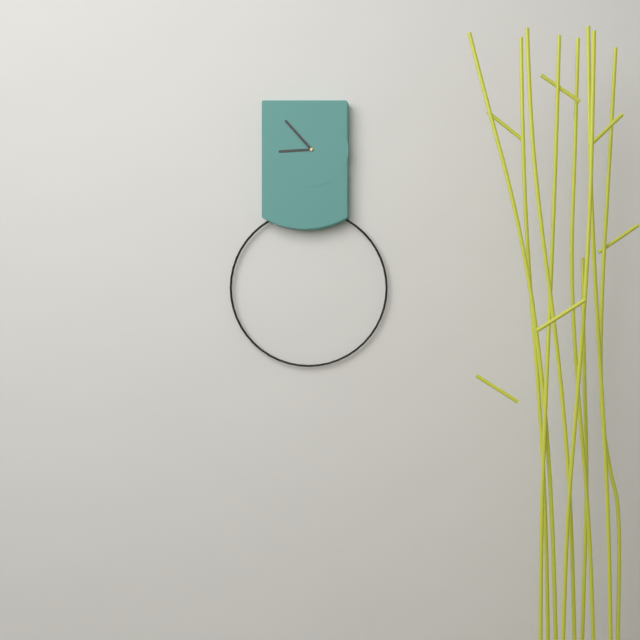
8,53
